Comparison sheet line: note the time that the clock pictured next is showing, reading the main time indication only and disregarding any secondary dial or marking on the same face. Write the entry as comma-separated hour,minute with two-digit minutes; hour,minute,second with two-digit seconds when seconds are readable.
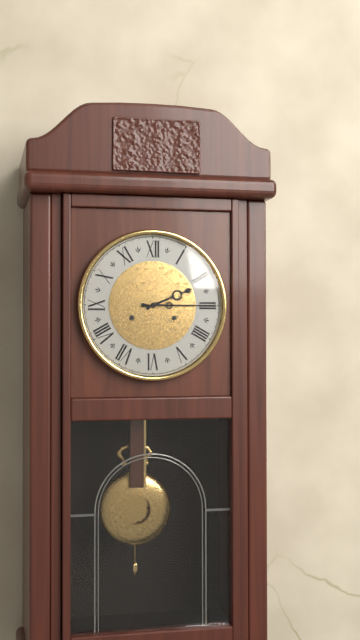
2,15
